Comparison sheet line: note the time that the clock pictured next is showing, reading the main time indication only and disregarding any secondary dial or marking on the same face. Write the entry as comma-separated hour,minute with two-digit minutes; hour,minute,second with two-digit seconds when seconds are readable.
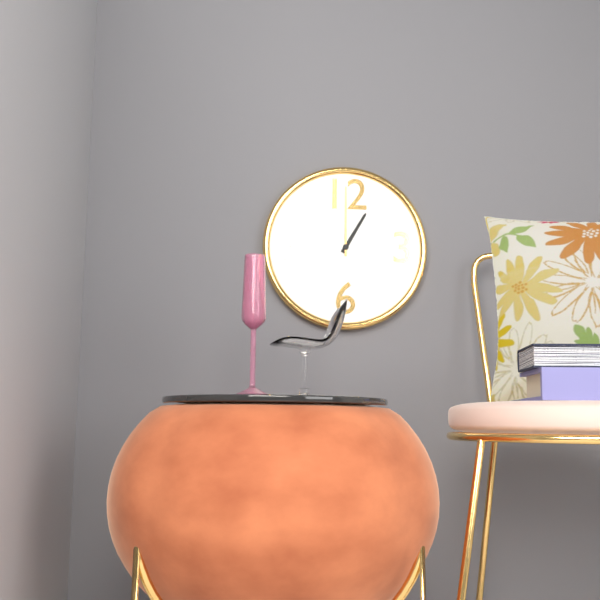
1,00
